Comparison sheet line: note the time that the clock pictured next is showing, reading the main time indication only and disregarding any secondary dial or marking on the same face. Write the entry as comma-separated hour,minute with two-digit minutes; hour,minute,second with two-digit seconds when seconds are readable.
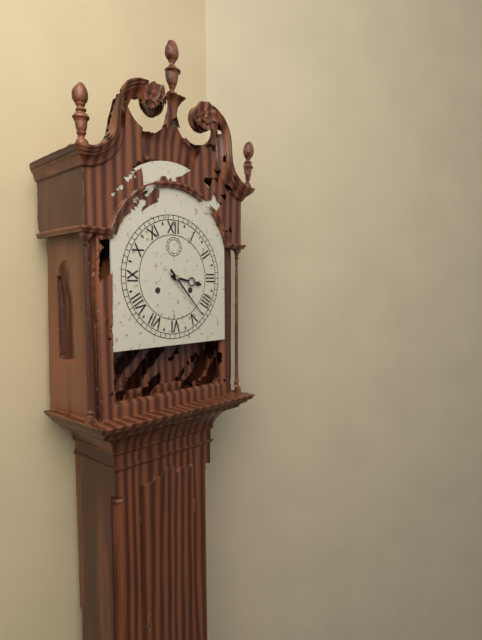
3,23
